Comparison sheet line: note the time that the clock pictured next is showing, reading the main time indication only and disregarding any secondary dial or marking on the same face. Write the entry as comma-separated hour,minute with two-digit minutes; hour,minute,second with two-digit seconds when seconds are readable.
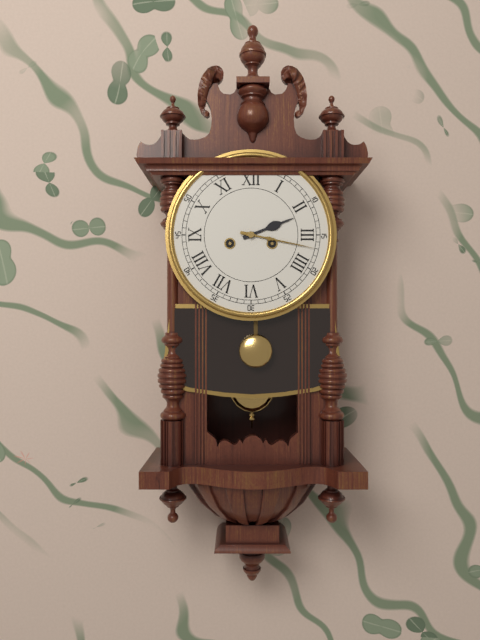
2,17
